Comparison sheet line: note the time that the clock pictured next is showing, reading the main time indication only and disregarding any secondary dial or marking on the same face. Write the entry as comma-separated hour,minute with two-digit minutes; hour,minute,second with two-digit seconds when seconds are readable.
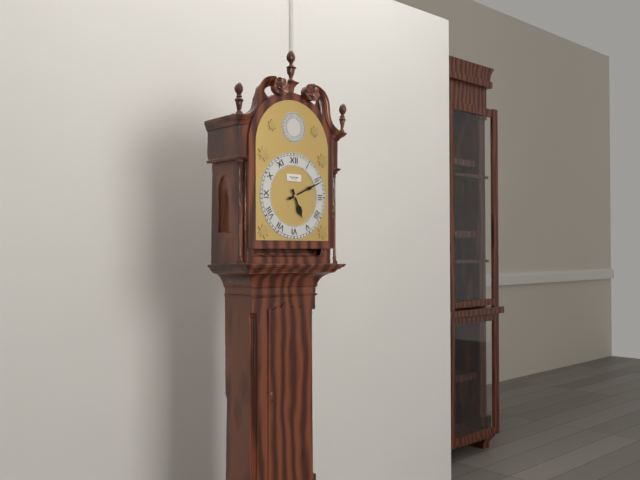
5,11
